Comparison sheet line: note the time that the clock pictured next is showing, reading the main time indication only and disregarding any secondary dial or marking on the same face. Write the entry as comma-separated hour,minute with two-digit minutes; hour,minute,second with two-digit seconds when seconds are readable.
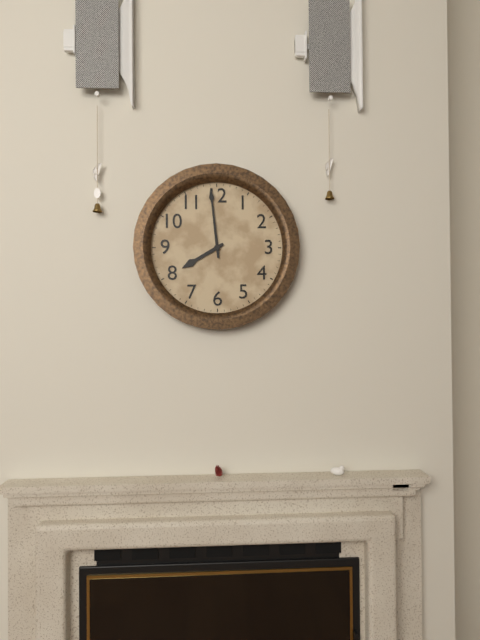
7,59
